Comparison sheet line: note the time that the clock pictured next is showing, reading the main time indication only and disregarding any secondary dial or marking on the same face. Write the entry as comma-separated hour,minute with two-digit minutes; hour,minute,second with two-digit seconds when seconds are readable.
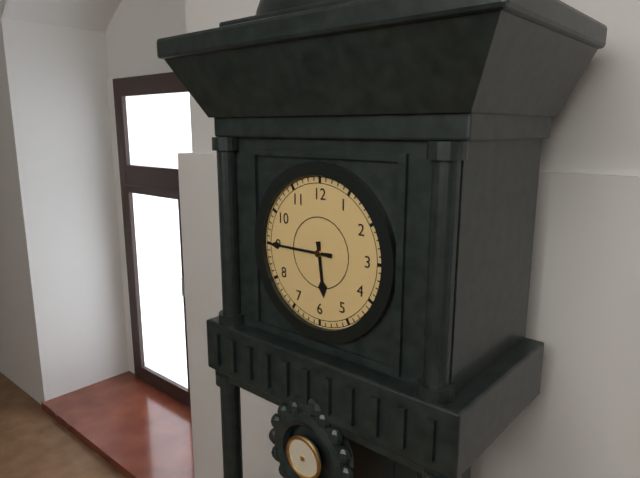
5,45
